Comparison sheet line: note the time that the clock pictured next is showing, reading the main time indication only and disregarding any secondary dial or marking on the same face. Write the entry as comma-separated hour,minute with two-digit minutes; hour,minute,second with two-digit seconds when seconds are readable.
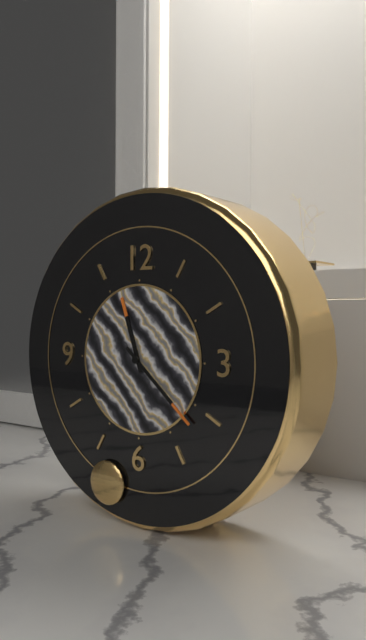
11,22
